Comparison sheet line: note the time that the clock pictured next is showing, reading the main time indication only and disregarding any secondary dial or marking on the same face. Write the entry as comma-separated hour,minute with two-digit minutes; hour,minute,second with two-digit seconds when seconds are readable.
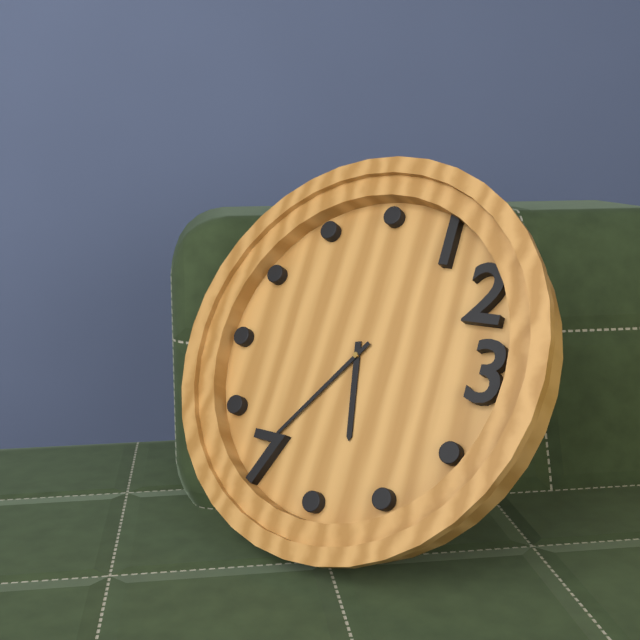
5,36
